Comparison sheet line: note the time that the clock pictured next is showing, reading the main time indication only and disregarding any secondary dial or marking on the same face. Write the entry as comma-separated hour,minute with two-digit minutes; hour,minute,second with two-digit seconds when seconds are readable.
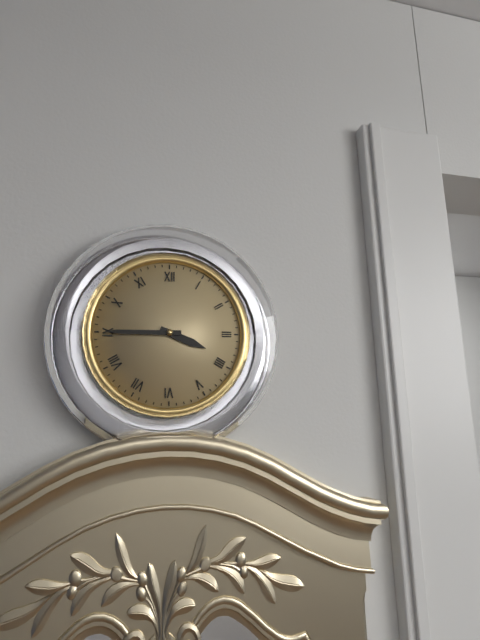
3,45
